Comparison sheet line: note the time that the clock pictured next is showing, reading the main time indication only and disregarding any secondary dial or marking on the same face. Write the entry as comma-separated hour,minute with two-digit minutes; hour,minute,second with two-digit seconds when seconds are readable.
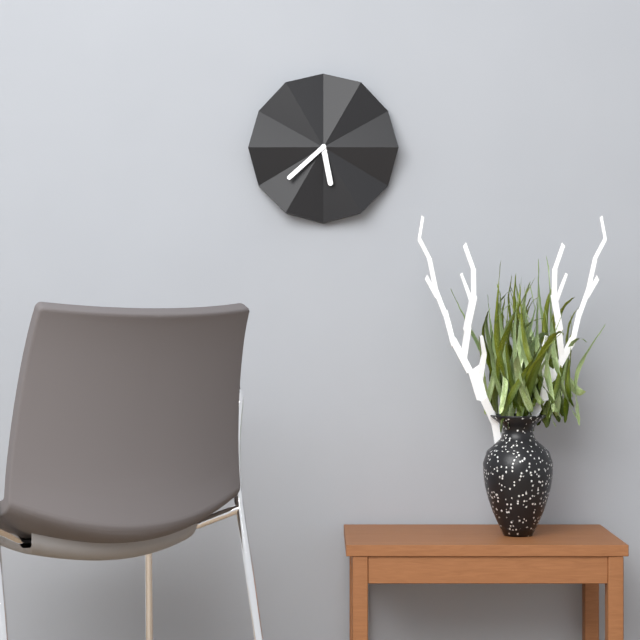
5,38
